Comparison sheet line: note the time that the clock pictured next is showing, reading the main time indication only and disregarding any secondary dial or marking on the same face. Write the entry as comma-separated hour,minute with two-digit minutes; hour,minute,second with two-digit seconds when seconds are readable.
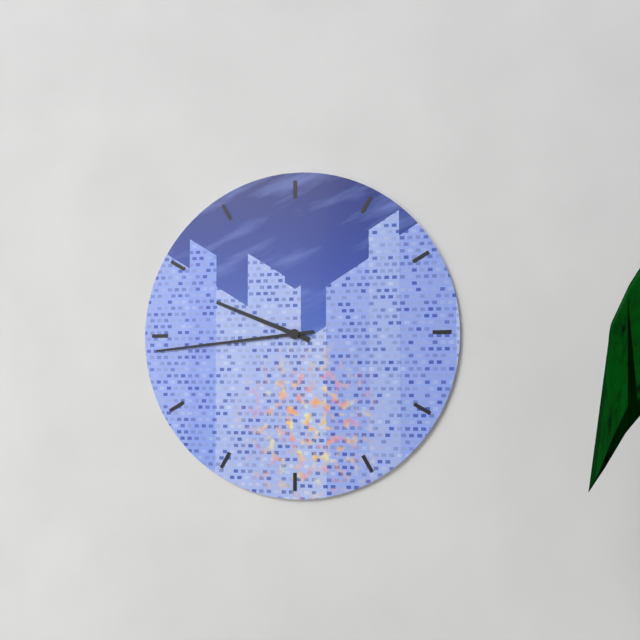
9,44
